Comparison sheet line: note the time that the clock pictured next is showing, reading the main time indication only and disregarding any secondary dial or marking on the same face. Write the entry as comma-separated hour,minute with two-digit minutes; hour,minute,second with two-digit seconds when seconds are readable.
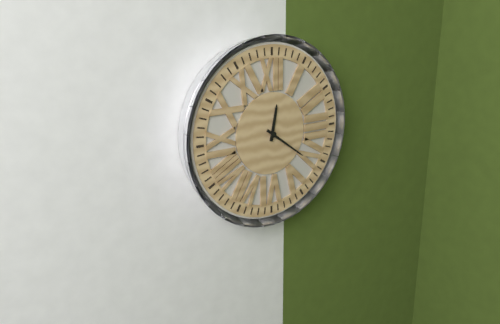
12,21
